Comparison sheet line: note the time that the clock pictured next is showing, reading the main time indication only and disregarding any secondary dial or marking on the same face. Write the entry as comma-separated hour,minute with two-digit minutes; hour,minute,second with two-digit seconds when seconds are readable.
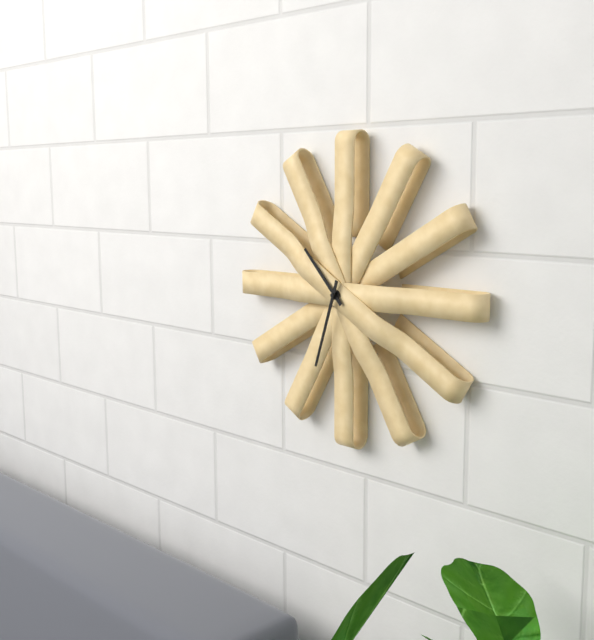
10,33
